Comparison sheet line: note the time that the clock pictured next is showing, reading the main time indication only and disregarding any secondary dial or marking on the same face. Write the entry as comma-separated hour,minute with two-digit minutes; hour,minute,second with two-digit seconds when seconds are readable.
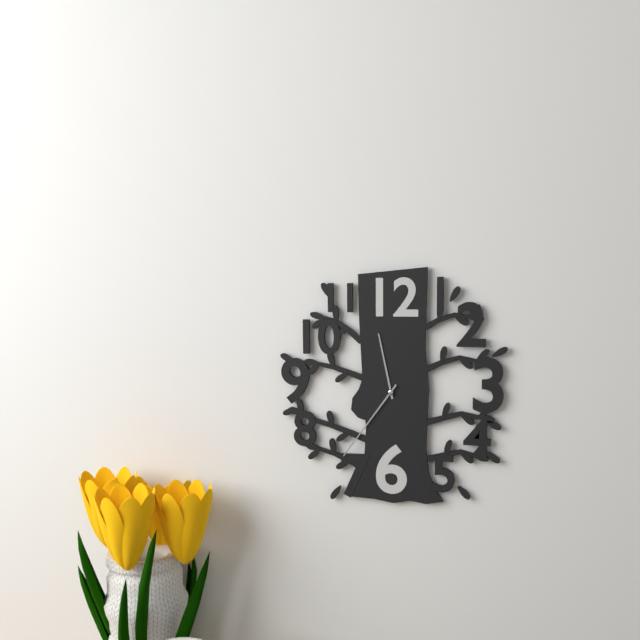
11,36
